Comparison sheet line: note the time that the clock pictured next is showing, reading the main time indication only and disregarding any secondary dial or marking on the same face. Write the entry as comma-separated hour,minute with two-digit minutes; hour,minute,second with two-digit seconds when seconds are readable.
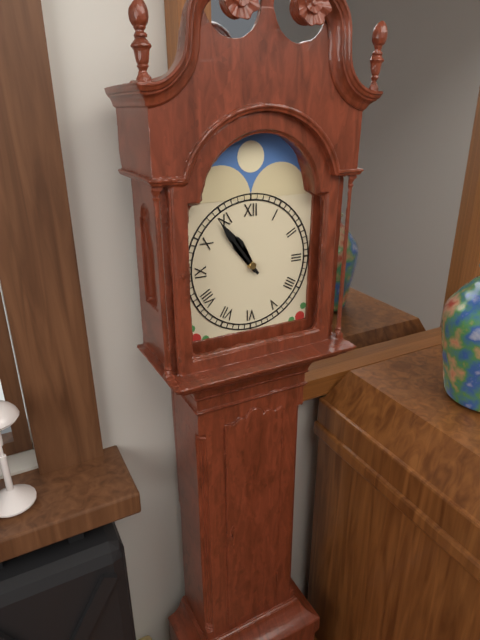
10,54
